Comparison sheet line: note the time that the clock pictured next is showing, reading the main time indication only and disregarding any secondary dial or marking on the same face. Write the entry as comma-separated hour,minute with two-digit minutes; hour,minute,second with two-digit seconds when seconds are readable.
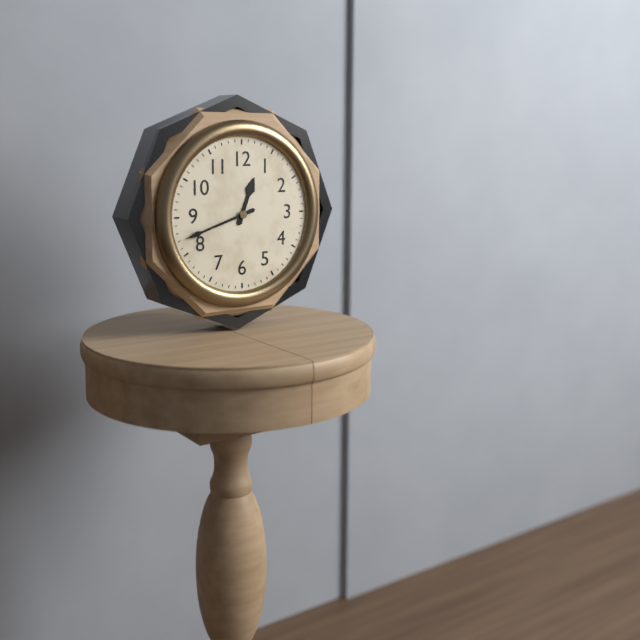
12,42
